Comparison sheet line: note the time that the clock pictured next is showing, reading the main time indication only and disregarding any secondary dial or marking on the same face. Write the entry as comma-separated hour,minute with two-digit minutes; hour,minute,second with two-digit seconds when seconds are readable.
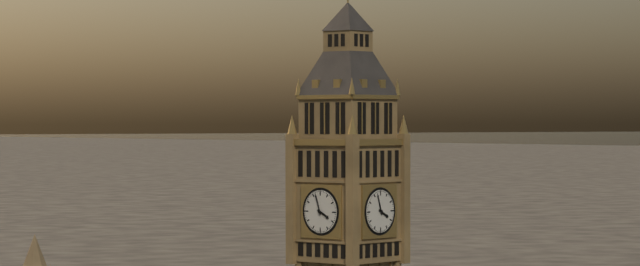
3,57
